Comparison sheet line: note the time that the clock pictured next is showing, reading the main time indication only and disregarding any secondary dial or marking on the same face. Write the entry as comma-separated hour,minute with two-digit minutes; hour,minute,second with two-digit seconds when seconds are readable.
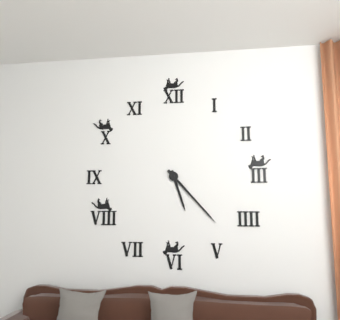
5,23
